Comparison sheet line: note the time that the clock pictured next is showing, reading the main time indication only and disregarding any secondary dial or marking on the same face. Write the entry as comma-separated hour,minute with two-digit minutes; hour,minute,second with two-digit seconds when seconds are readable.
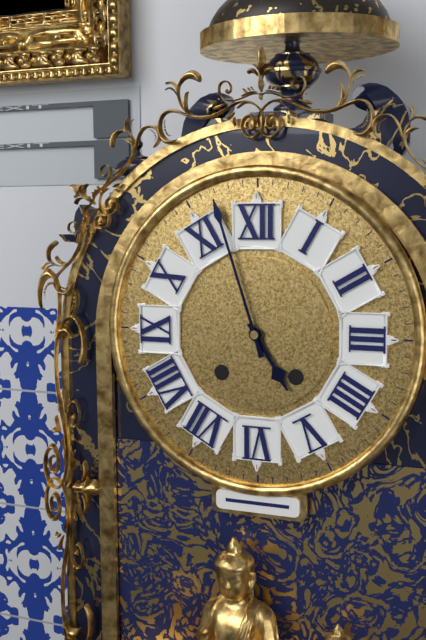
4,57
